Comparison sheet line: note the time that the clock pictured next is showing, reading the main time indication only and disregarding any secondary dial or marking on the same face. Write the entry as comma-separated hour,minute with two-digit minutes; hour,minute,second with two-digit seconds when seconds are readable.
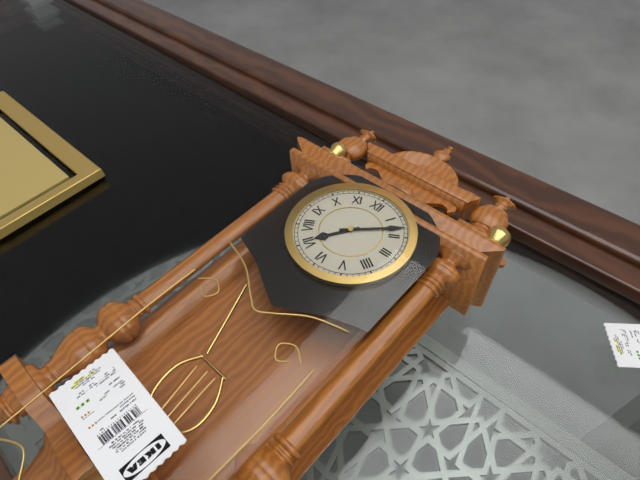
7,08
